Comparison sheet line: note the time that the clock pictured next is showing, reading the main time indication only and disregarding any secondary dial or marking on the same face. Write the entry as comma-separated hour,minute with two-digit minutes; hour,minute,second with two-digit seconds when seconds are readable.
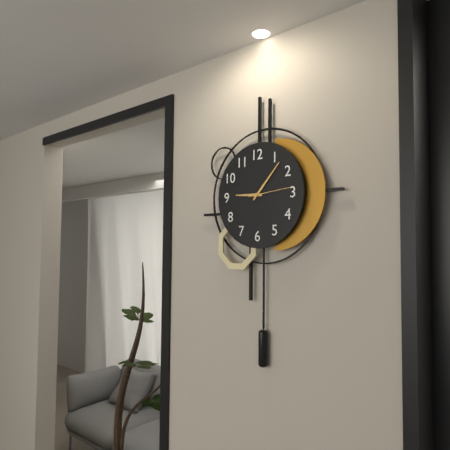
9,07
